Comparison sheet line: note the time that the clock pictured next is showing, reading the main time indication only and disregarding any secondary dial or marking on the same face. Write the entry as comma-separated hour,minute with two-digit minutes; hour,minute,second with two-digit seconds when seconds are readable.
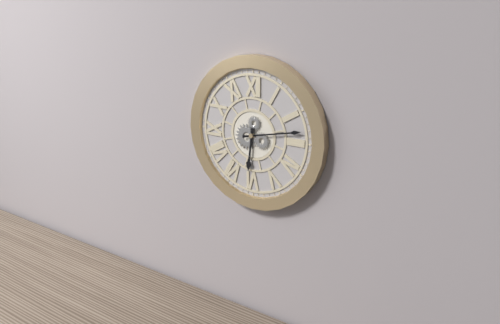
6,13
